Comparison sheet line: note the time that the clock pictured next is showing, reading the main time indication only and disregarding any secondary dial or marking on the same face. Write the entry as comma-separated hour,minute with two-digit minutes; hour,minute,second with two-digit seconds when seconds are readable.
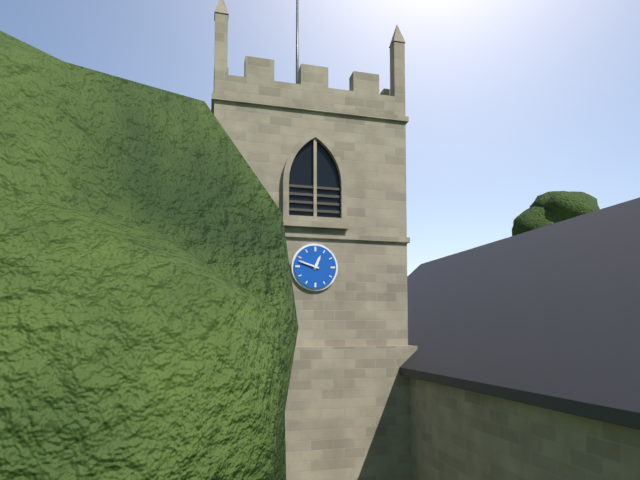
12,48
